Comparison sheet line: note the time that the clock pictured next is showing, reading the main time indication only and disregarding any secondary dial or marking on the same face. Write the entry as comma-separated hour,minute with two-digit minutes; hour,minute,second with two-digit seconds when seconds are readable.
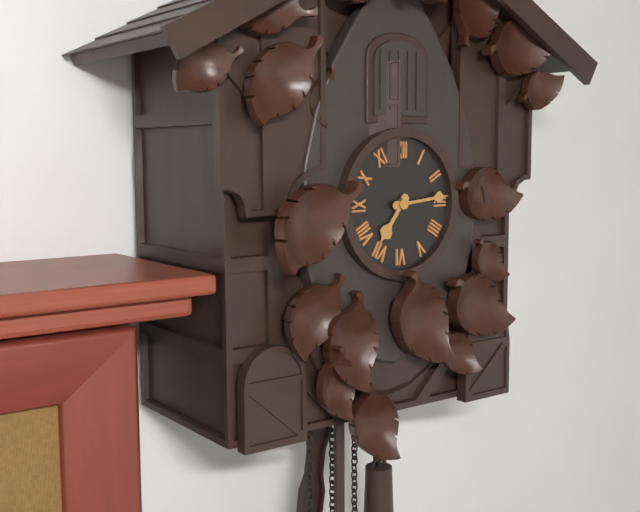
7,14
